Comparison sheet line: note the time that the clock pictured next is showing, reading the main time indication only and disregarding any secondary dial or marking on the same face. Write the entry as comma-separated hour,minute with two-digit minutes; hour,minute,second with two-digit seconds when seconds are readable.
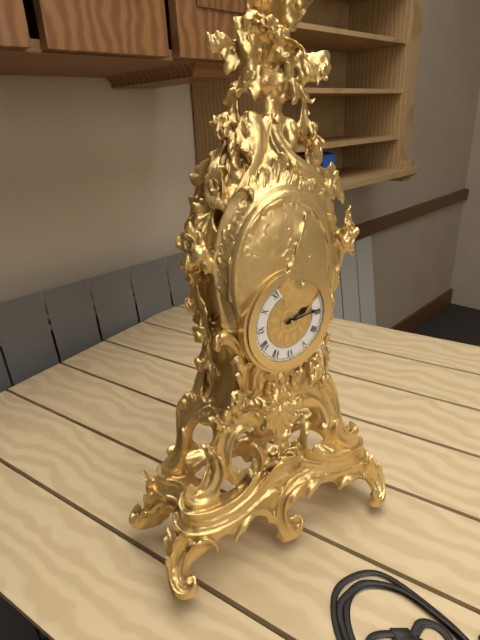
2,14
